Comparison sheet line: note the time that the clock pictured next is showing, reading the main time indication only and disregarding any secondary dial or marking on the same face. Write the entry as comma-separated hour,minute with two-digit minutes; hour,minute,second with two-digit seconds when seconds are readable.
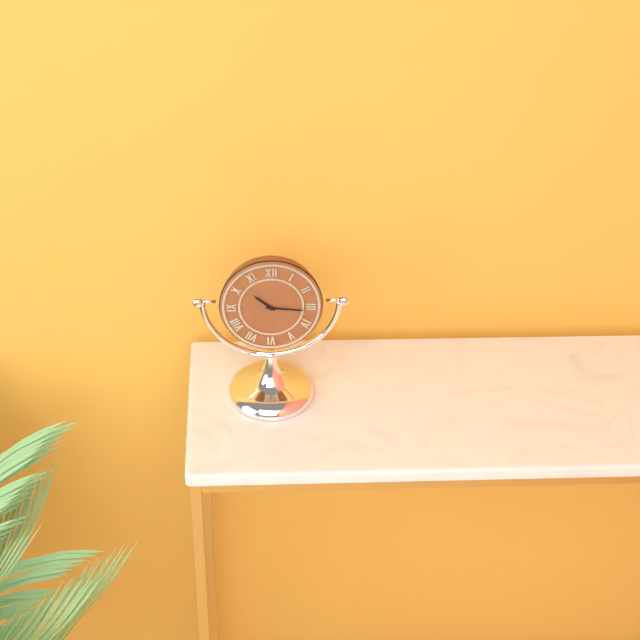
10,16
